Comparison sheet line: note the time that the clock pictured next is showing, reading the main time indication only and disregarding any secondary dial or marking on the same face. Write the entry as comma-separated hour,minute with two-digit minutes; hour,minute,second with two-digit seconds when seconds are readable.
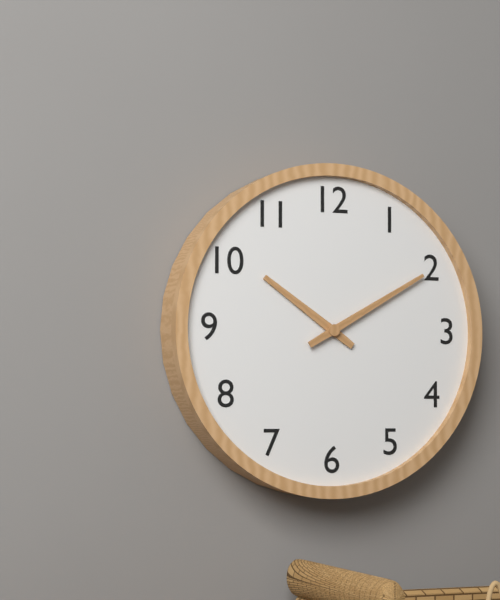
10,10
